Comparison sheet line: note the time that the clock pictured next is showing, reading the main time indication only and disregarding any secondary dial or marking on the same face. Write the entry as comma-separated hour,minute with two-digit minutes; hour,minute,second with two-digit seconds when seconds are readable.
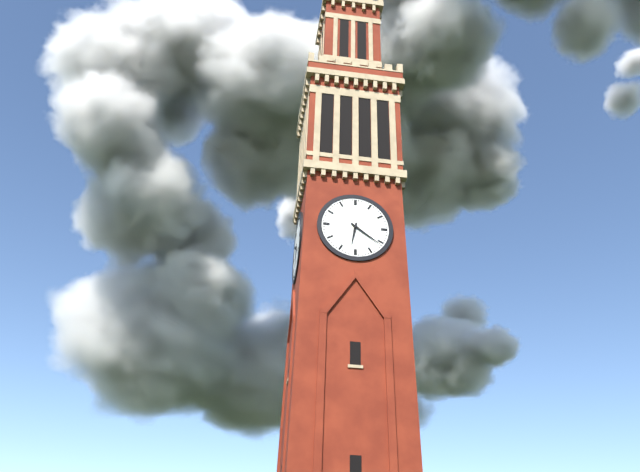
6,21
